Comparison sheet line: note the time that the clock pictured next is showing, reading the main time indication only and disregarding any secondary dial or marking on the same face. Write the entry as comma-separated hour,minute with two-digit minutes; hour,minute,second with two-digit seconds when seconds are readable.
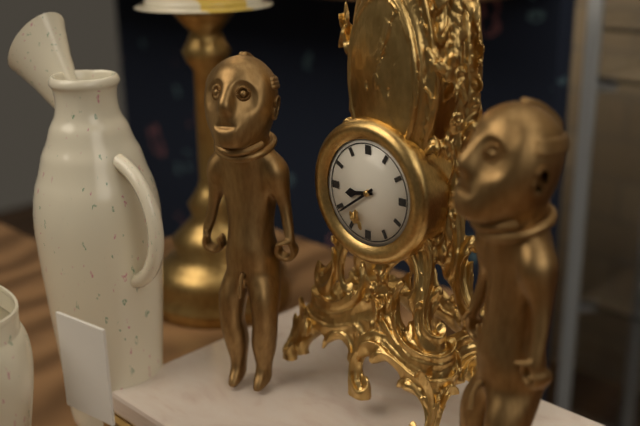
8,39
